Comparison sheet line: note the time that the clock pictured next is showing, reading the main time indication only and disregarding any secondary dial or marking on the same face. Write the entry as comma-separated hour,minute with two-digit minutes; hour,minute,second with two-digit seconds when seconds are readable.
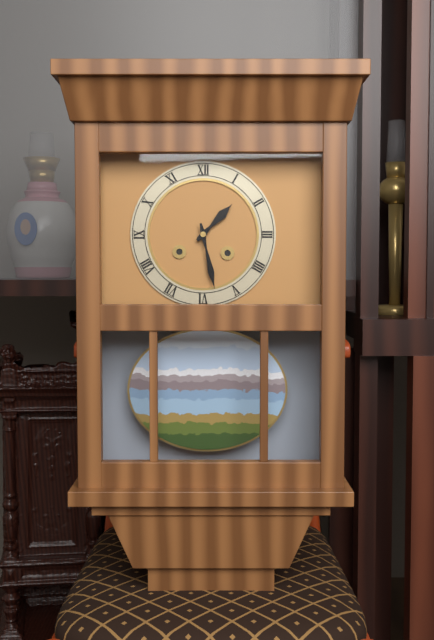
1,28
